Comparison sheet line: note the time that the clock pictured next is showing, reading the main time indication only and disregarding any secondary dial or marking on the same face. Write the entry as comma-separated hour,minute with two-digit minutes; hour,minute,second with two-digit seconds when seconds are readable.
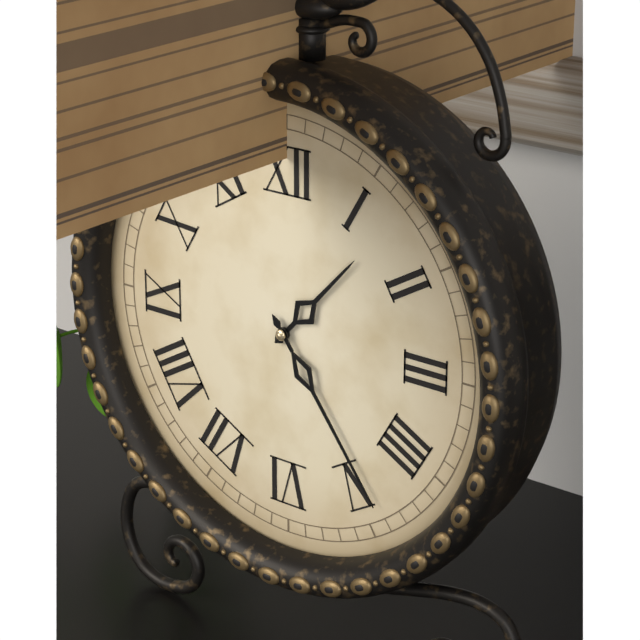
1,24
